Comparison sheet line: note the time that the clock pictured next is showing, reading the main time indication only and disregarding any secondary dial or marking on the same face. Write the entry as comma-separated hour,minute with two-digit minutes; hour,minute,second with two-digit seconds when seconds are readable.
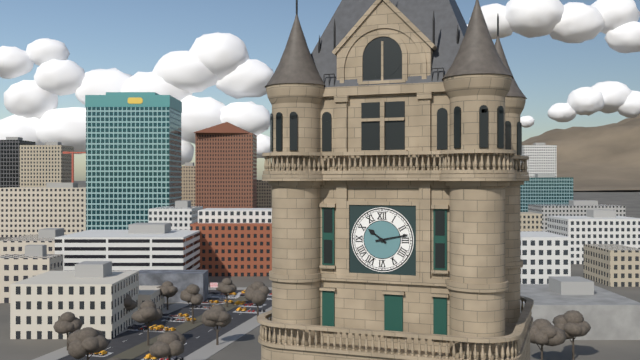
10,13
